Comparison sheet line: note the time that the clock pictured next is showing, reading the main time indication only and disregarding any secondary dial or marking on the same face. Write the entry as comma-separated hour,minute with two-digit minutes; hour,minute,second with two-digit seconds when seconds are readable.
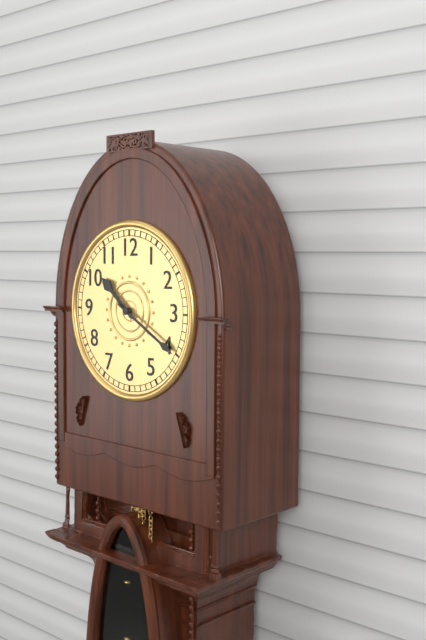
10,20
